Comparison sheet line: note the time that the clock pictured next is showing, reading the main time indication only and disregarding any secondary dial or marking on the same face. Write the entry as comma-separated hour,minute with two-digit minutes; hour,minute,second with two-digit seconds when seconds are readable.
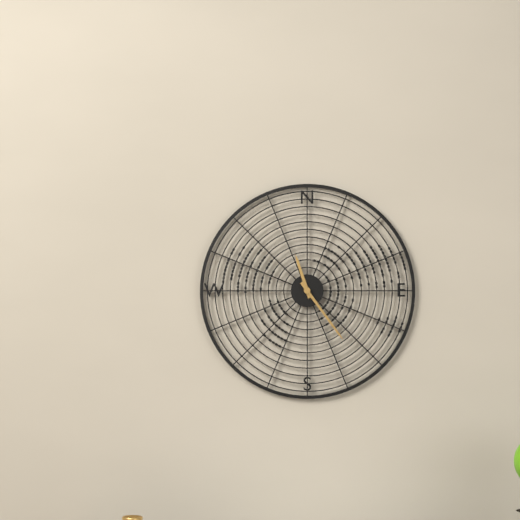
11,24
